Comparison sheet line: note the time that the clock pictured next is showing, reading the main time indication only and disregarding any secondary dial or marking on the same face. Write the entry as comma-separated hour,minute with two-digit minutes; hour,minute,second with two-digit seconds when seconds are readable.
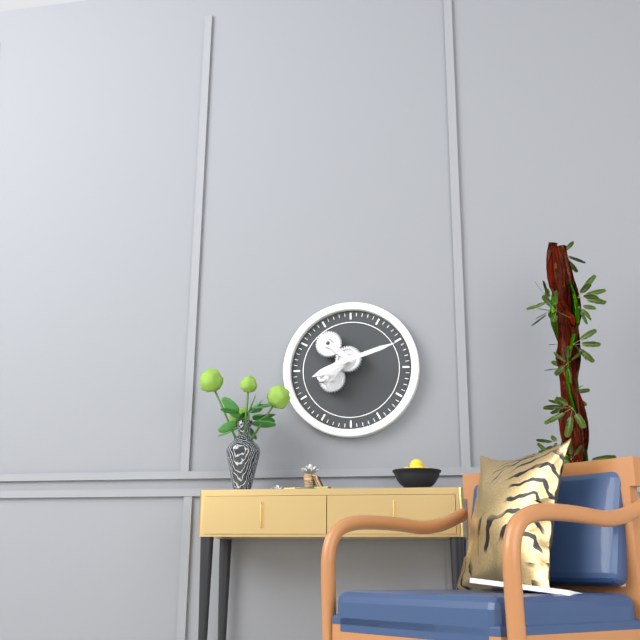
8,12
